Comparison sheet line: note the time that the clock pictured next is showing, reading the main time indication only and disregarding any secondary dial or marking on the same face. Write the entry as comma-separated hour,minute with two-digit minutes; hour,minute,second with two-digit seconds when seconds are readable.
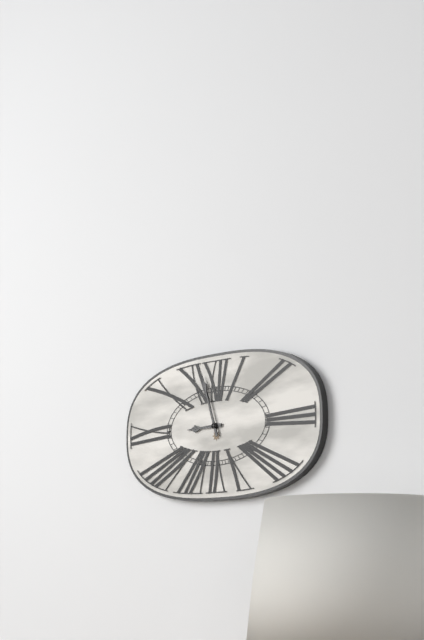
8,57
